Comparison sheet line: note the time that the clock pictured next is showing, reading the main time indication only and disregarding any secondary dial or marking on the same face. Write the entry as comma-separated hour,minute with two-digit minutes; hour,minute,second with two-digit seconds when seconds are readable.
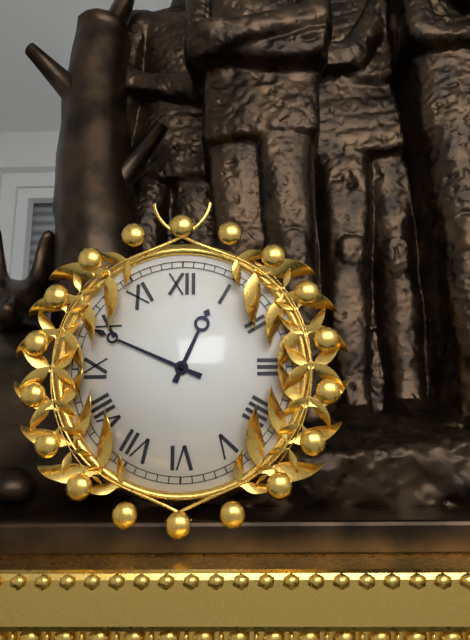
12,49
